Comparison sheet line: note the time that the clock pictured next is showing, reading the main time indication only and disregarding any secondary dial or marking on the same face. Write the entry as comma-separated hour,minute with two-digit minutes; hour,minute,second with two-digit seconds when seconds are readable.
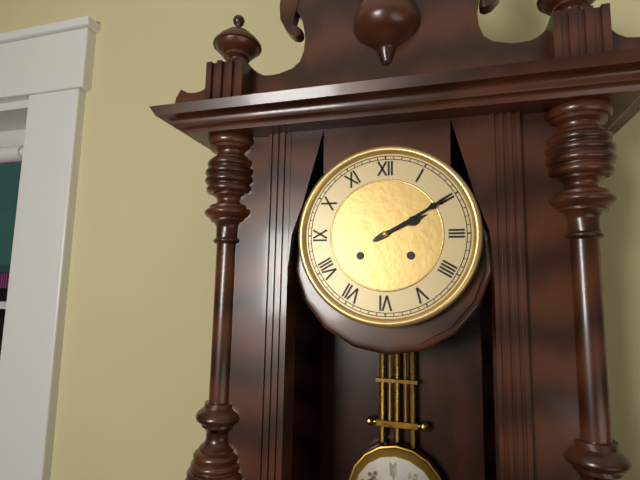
2,10
